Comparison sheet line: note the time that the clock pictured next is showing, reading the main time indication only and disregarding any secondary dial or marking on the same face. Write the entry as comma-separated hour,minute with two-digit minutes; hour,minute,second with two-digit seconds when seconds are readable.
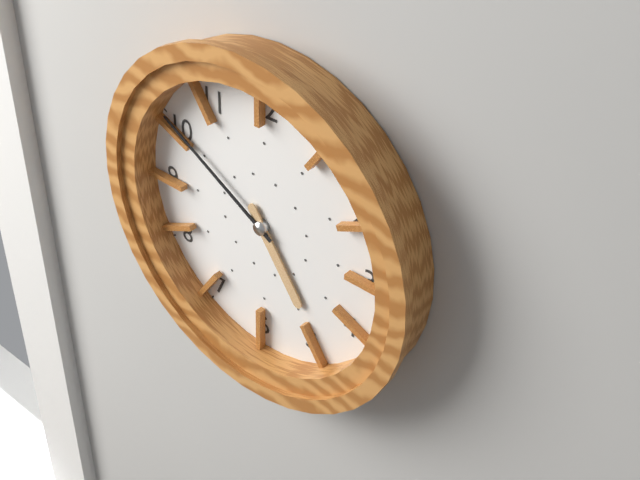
4,50
